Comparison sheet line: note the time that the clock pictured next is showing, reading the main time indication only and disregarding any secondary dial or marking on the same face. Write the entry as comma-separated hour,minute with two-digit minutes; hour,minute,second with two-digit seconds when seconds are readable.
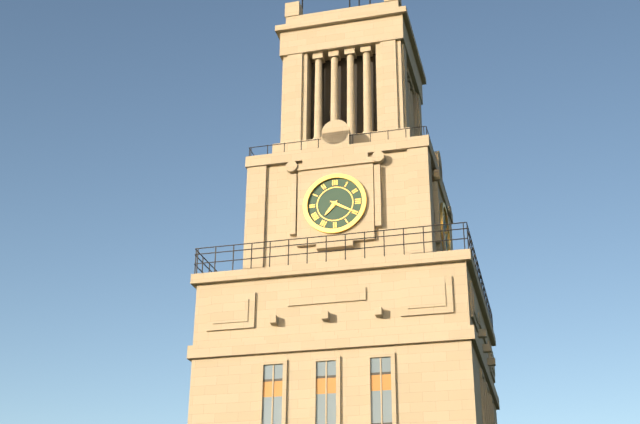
7,20
